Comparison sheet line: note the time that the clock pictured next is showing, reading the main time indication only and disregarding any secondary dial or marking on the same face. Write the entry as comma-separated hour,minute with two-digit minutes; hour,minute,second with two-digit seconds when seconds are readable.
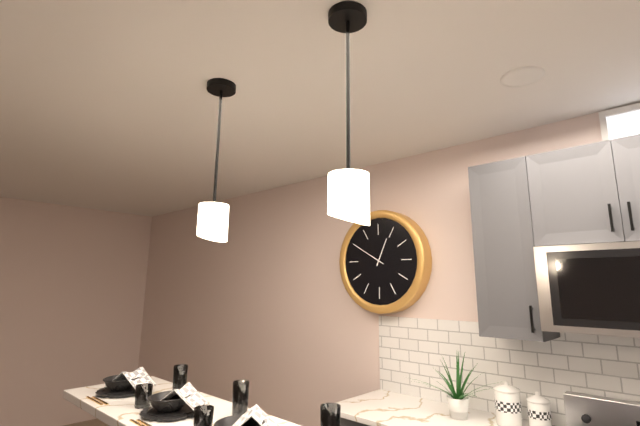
12,50
